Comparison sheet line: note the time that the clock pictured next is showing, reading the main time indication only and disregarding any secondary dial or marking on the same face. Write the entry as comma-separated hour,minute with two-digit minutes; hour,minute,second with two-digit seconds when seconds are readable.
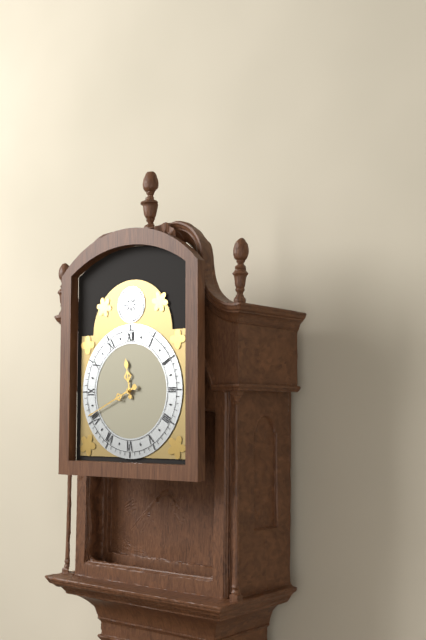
11,41
